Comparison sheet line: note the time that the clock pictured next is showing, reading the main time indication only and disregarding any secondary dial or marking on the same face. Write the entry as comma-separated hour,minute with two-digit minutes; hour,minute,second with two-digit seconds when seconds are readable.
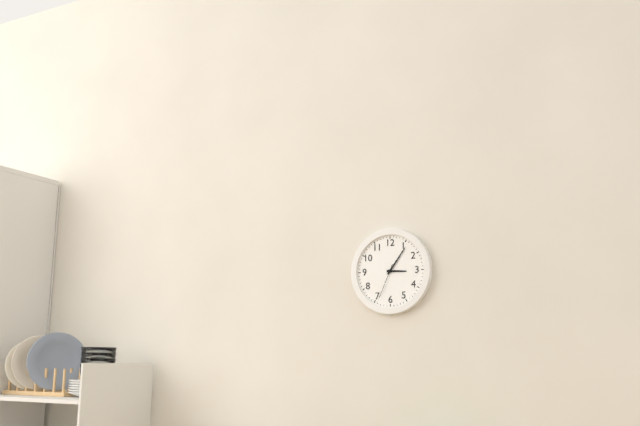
3,06
